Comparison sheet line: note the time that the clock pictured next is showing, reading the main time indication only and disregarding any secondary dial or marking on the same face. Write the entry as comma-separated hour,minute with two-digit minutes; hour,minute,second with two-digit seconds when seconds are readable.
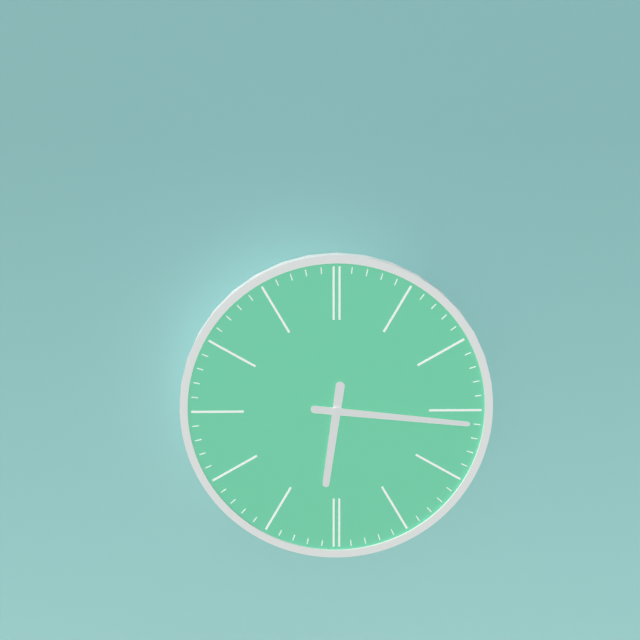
6,16
